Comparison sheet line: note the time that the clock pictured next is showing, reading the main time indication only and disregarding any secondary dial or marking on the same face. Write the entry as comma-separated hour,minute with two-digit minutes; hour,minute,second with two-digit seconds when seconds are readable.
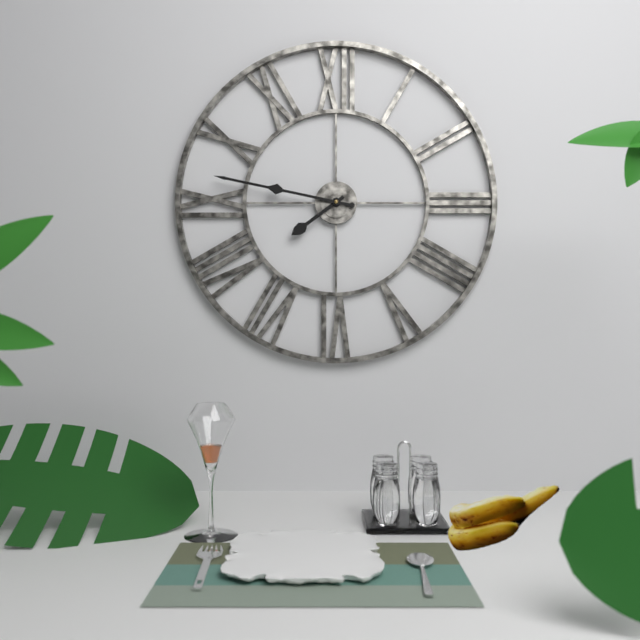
7,47
